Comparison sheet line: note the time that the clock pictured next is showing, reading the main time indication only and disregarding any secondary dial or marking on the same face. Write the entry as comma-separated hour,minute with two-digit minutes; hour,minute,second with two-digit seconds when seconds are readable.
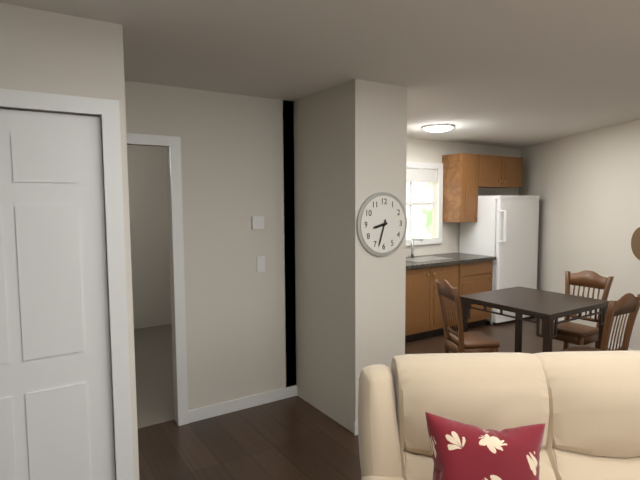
8,33
